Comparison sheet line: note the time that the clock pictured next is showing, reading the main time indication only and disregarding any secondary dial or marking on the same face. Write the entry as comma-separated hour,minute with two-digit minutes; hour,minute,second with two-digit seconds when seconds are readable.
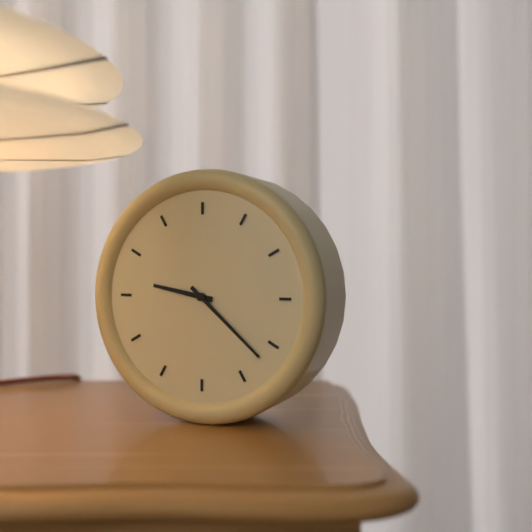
9,22
